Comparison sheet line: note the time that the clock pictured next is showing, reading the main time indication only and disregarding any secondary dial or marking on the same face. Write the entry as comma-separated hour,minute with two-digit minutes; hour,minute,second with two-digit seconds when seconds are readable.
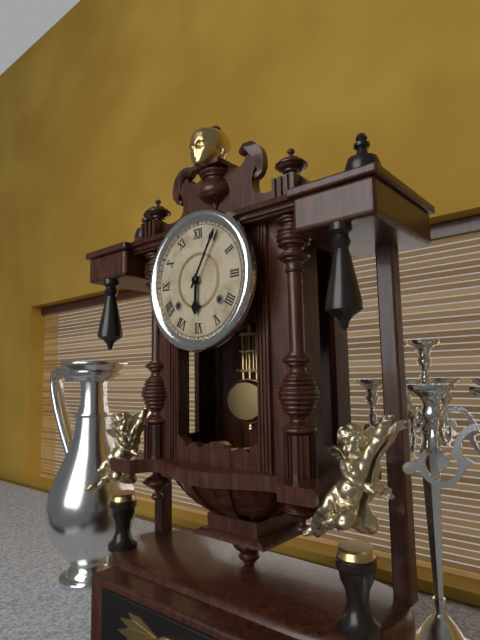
6,05
